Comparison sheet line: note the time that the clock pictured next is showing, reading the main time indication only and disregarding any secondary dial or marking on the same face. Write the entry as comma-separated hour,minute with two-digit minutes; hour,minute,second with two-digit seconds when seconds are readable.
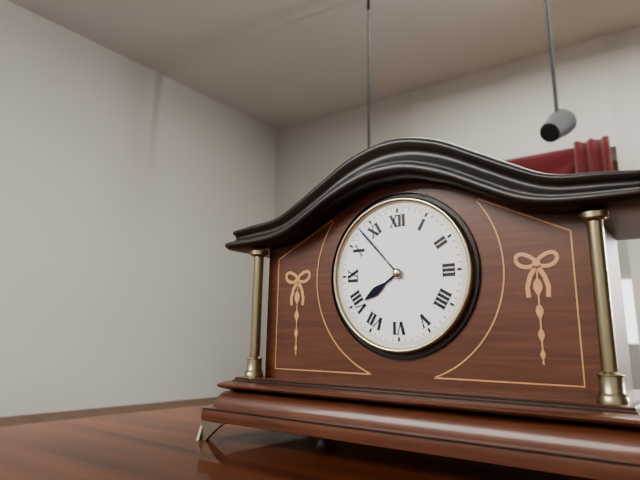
7,53
